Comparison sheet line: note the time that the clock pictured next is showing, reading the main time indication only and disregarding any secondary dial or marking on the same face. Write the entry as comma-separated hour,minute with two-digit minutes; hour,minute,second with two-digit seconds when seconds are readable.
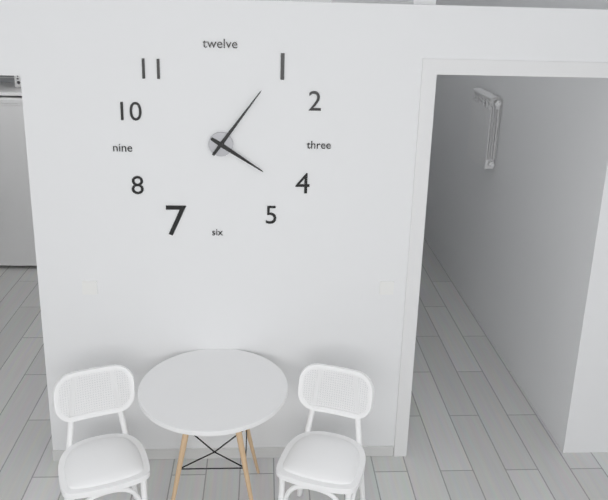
4,06
